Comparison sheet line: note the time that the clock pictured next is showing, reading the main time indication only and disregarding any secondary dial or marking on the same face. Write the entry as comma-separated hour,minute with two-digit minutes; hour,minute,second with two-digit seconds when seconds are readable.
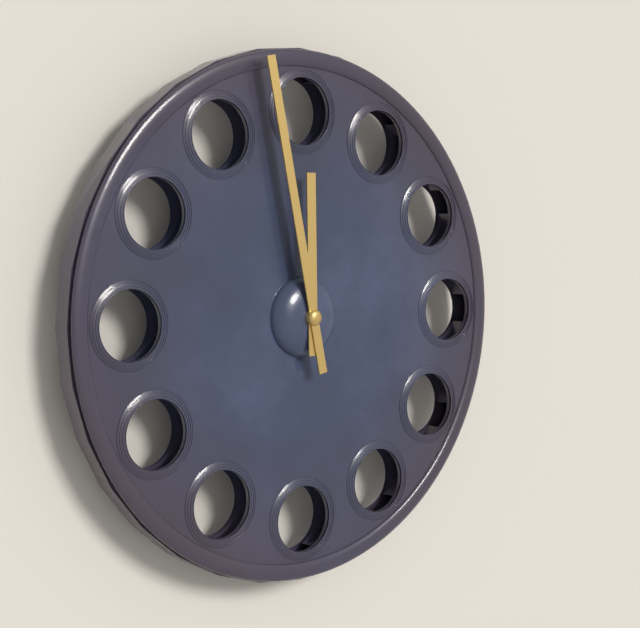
11,58
